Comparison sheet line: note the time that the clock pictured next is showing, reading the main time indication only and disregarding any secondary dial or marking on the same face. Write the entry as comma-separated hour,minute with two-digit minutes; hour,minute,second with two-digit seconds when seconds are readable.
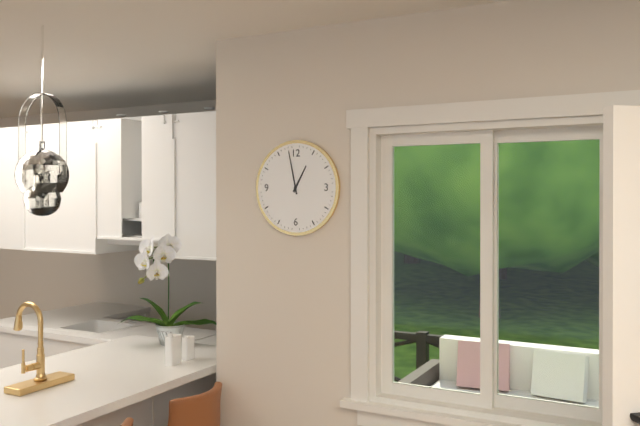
12,58
